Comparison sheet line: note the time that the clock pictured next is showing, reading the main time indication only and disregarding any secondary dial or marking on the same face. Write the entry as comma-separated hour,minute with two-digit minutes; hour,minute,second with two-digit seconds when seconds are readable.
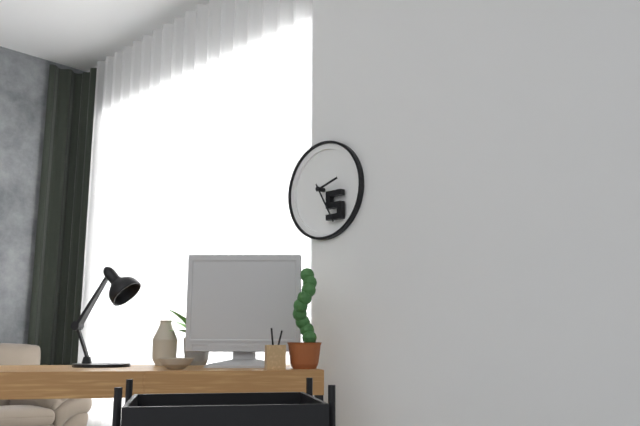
2,25
